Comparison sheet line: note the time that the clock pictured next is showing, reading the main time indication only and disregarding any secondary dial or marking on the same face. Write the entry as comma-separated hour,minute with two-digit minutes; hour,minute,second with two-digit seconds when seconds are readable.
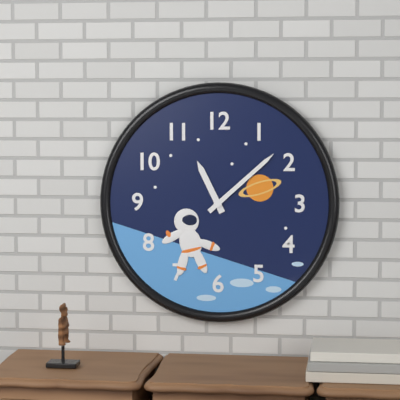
11,08
